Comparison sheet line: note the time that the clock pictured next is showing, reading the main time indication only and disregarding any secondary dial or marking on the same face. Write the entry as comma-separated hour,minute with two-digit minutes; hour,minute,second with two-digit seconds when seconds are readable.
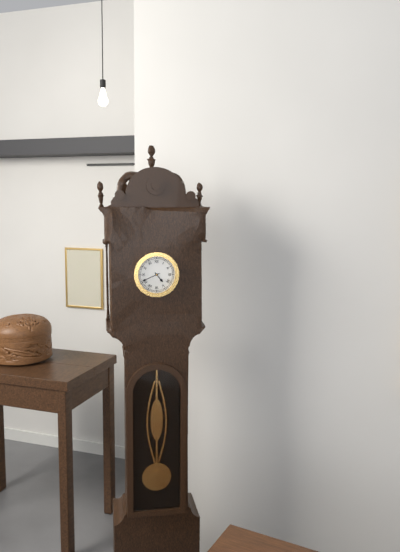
4,41
